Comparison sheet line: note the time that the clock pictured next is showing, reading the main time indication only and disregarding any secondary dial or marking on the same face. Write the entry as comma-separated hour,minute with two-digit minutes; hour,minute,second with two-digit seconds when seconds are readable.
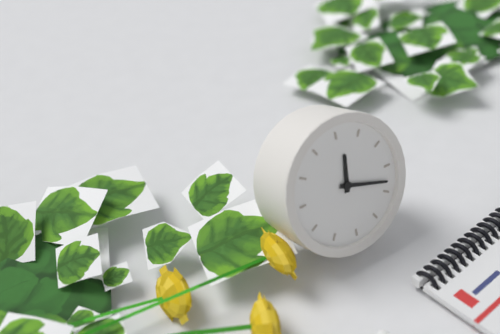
12,18
